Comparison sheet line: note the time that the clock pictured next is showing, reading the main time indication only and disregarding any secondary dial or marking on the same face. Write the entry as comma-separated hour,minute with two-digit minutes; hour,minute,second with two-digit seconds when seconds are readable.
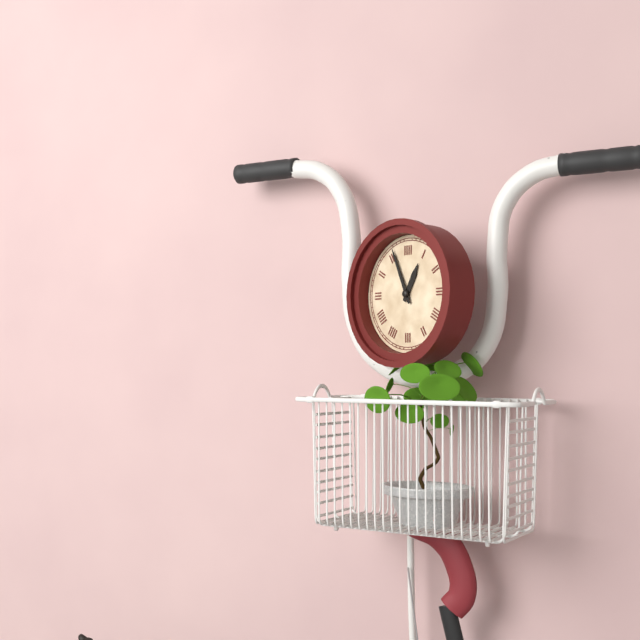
12,56
